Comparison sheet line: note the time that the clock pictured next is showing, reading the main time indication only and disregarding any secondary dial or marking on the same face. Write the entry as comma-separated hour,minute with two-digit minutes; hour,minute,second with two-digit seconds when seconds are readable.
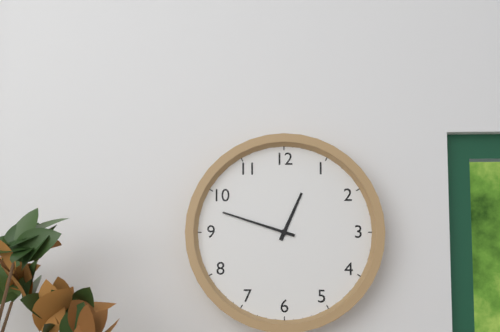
12,48
